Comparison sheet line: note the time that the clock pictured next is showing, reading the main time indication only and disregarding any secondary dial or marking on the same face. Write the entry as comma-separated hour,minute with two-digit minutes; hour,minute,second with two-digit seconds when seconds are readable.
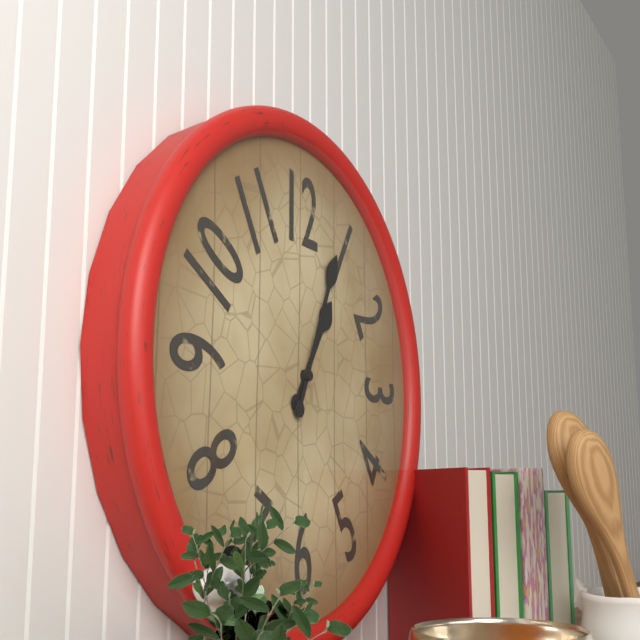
1,04
